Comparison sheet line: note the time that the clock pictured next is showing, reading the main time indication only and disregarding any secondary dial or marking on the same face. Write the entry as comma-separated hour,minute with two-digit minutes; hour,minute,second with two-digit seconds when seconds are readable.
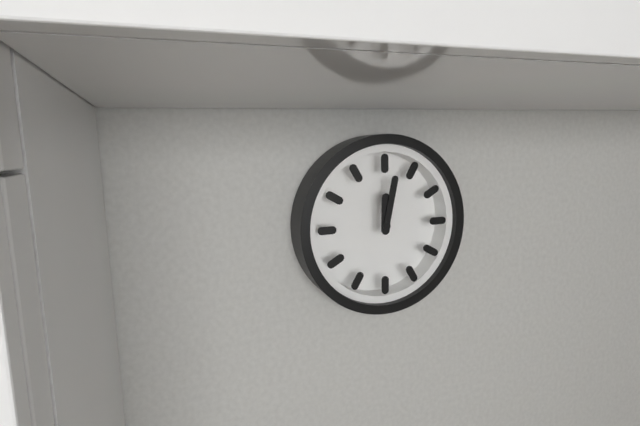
12,02
